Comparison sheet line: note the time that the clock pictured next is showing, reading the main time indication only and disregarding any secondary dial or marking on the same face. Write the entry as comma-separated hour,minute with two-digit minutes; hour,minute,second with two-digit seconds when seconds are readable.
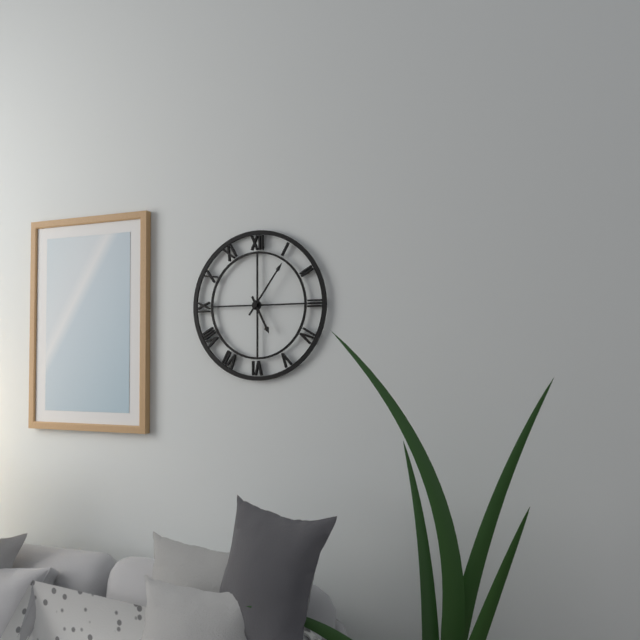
5,06
